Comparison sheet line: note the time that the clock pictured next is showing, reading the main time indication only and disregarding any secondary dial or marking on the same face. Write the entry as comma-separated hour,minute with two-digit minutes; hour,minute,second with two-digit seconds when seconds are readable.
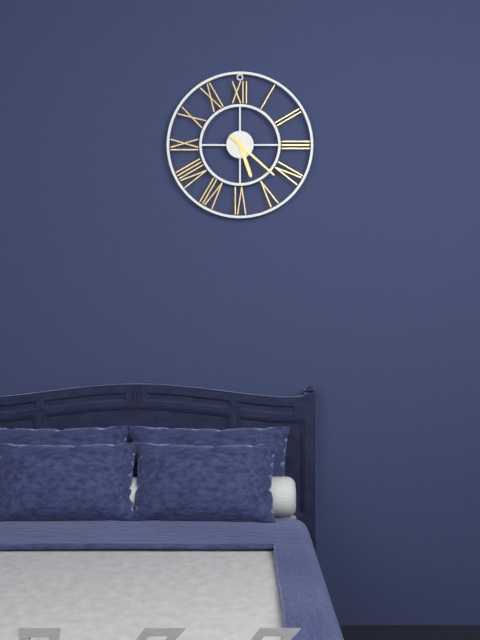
5,22
